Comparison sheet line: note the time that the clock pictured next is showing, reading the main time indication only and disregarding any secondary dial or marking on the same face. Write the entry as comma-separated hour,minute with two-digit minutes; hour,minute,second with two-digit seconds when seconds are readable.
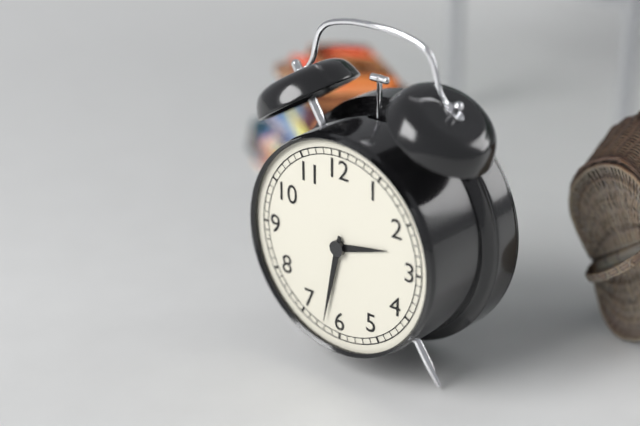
2,32
